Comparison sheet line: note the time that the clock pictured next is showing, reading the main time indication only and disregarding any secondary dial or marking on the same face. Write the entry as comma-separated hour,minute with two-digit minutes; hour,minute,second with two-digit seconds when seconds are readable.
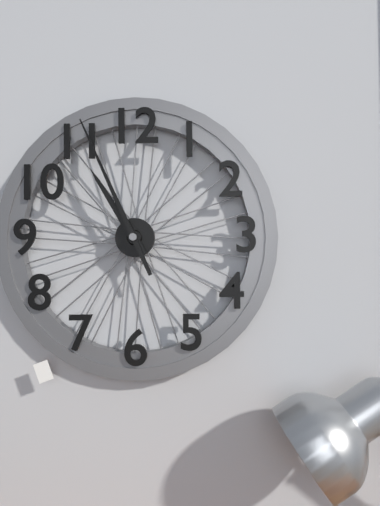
10,56
